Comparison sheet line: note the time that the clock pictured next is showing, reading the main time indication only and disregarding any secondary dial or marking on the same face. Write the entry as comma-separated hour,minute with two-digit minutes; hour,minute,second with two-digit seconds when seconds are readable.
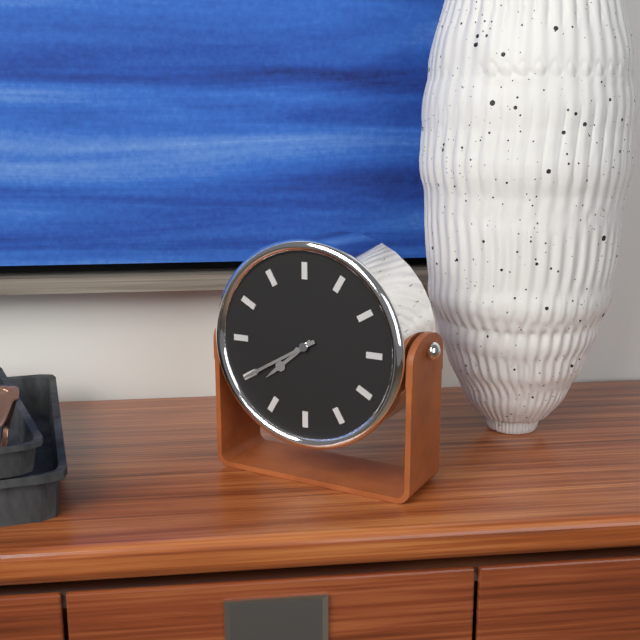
7,40
